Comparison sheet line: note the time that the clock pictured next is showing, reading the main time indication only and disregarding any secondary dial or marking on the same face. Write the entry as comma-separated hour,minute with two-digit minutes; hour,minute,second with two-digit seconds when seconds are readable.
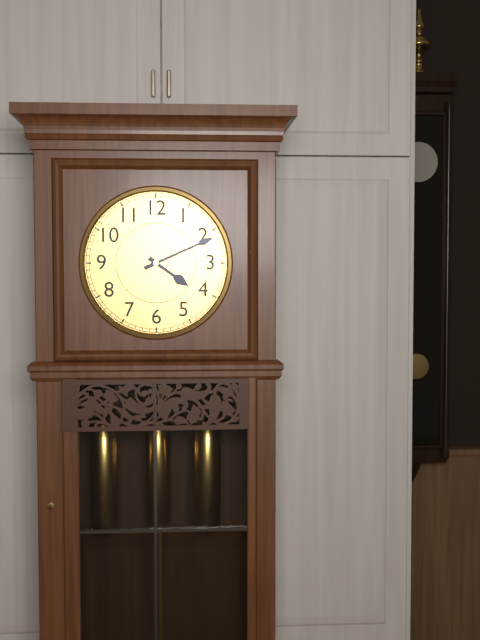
4,11
